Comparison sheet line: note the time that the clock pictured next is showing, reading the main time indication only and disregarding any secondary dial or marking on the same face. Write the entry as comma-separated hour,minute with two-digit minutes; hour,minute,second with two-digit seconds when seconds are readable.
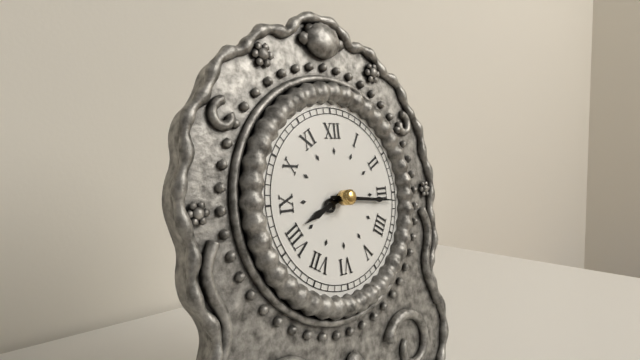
8,16
